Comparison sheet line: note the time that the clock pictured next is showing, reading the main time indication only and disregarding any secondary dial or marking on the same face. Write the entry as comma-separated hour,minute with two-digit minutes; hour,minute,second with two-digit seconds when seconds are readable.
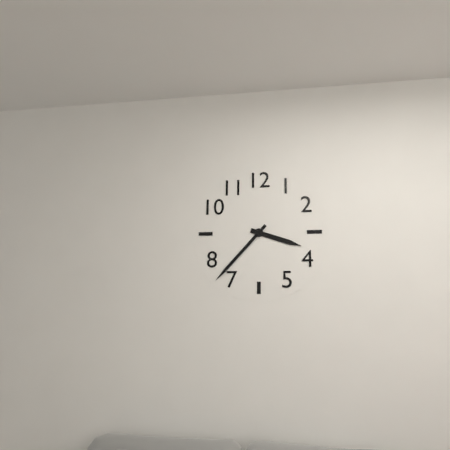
3,37
